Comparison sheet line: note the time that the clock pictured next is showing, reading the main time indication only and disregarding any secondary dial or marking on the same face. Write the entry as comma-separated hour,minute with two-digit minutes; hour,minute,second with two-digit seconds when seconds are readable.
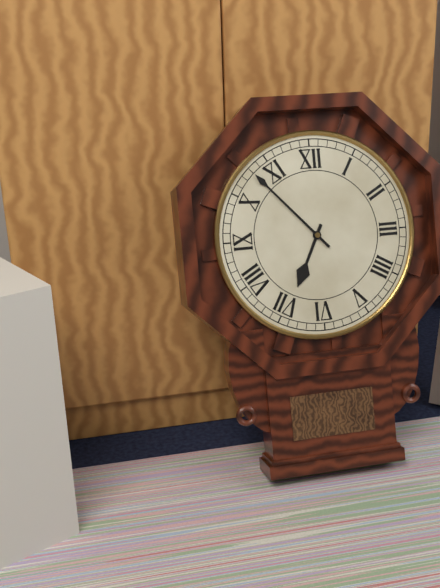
6,53
